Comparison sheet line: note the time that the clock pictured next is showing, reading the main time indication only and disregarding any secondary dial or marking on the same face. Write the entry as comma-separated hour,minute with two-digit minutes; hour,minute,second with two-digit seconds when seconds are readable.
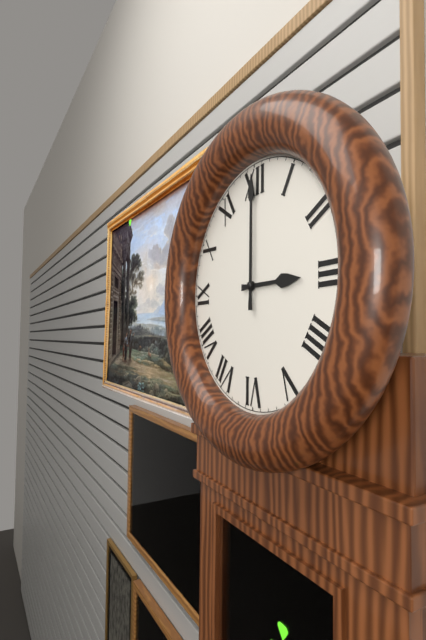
3,00
